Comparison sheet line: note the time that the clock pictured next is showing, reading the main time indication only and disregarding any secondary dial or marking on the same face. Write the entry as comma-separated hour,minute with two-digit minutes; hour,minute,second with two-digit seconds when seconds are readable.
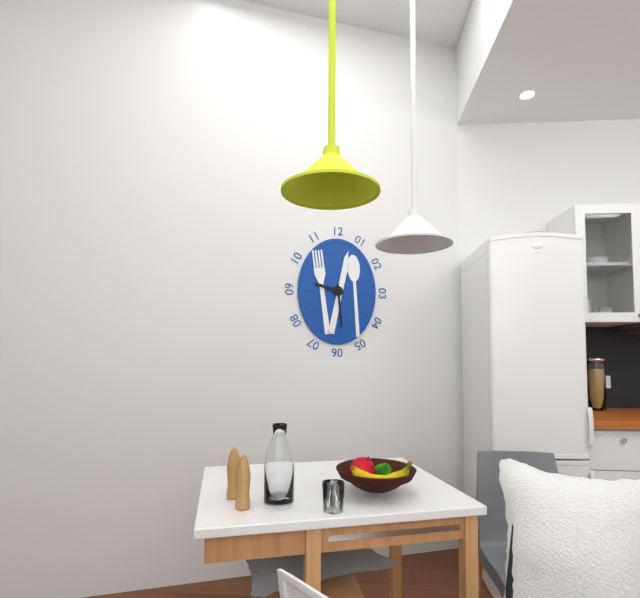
9,29
